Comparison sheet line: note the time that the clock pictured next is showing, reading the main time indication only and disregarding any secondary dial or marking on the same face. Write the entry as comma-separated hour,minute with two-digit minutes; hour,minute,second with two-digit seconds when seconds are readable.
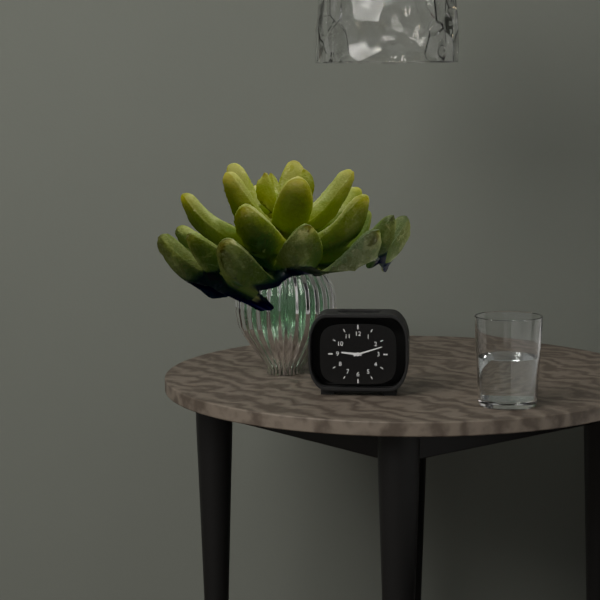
9,12
